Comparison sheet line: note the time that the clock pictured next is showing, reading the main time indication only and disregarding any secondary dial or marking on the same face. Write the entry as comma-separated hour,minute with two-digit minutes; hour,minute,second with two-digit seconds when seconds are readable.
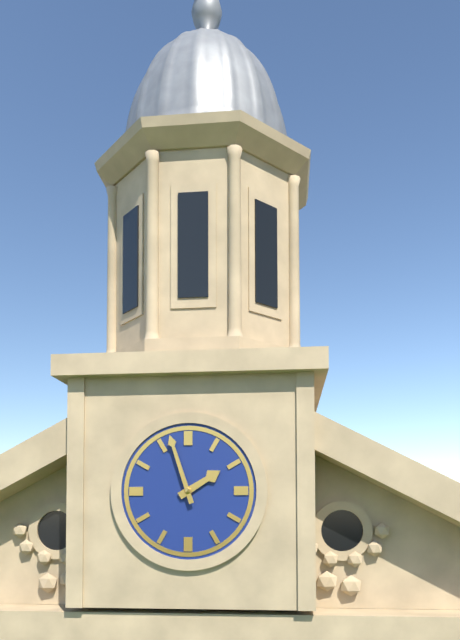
1,57
